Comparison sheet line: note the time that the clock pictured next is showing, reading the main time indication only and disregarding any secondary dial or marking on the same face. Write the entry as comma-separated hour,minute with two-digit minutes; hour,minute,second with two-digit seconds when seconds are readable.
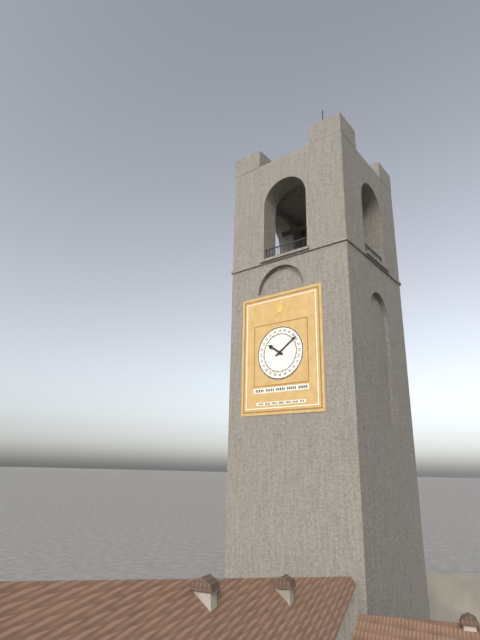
10,09
